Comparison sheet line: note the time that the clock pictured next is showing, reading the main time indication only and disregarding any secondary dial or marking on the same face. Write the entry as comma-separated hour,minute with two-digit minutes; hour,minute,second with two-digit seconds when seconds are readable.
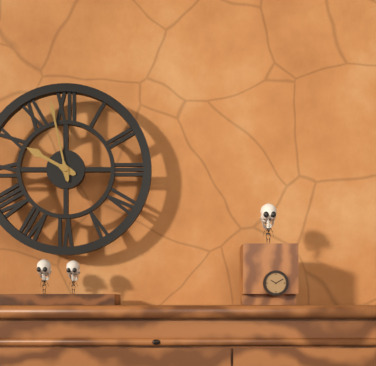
9,58
